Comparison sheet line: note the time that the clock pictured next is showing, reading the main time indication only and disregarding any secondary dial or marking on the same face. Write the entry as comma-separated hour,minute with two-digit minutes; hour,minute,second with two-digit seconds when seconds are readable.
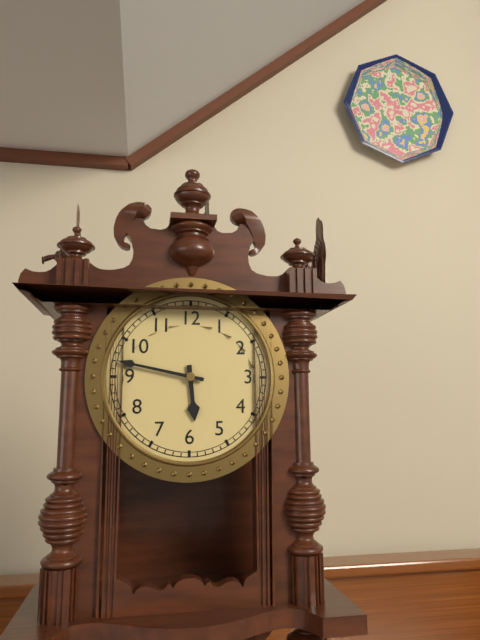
5,47
